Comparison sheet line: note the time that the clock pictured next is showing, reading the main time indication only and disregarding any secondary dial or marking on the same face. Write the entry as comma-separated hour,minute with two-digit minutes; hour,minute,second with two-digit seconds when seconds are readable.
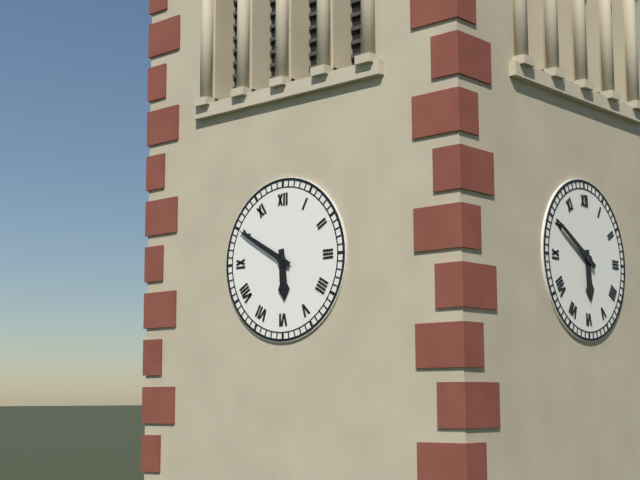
5,50
